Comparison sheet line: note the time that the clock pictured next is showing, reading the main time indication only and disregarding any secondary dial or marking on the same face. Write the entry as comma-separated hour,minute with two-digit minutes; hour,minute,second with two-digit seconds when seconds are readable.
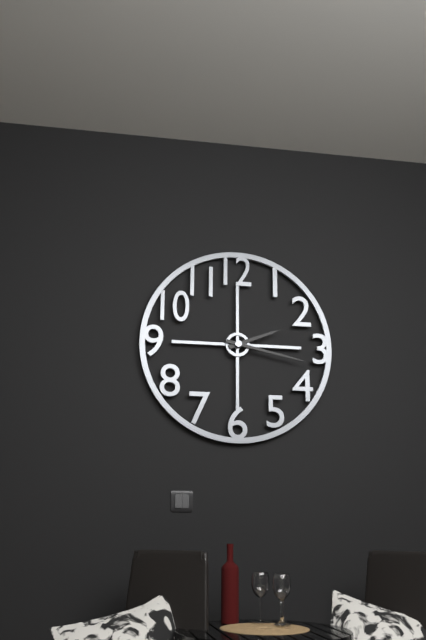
2,17
